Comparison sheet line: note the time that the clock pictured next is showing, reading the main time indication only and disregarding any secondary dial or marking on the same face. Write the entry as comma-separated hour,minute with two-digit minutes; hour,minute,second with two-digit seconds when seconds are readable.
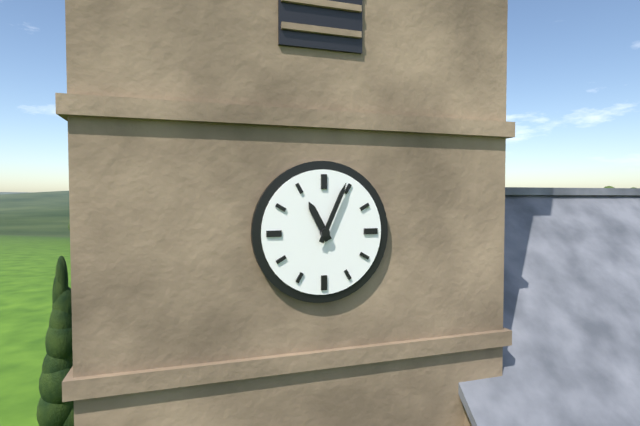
11,04
